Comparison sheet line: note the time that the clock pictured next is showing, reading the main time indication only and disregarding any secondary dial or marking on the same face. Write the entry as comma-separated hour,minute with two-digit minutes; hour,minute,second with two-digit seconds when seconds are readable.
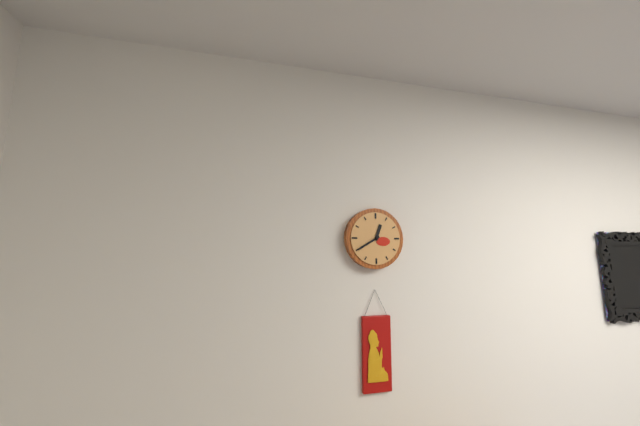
12,40
